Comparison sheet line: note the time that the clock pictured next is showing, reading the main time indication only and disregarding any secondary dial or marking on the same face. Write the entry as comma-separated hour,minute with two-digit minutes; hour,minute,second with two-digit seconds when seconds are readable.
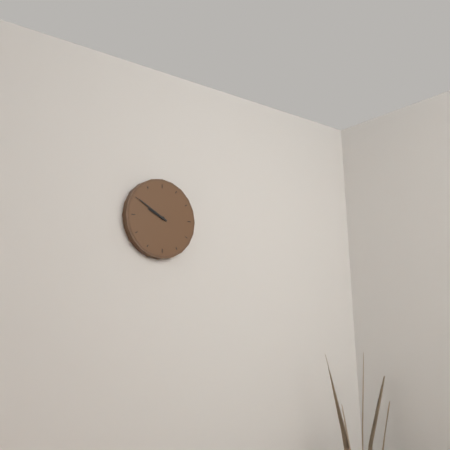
9,50
